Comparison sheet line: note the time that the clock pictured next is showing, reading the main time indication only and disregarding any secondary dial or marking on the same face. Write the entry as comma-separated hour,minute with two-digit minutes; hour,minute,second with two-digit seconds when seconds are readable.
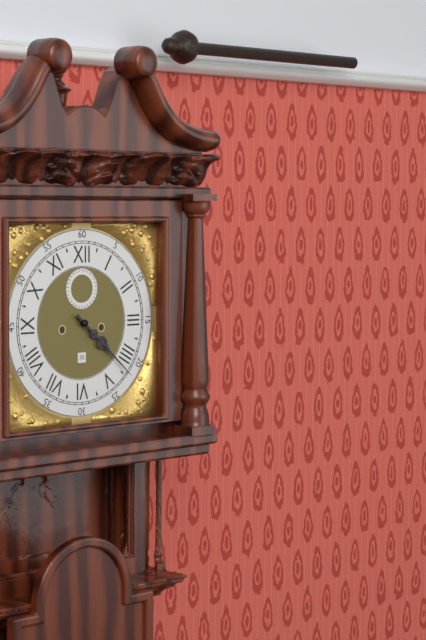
4,22
